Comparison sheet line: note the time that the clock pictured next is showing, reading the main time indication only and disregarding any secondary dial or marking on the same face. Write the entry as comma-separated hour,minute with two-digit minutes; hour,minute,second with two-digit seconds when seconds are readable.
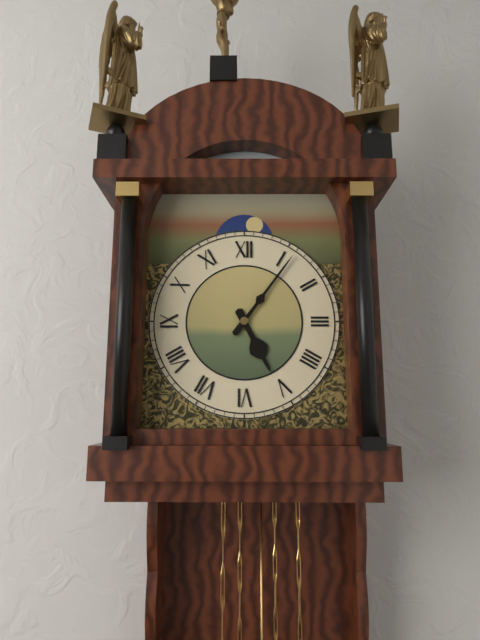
5,06
